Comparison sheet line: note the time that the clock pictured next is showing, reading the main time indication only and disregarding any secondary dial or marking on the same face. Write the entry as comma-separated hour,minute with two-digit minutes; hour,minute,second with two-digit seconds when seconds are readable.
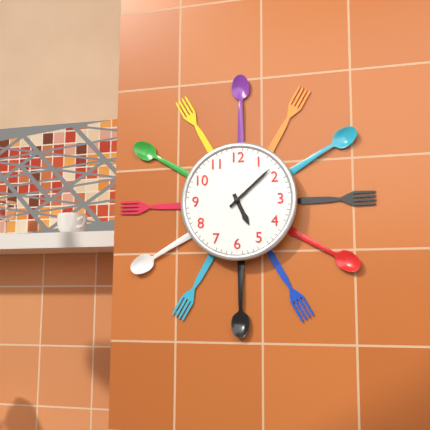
5,08
